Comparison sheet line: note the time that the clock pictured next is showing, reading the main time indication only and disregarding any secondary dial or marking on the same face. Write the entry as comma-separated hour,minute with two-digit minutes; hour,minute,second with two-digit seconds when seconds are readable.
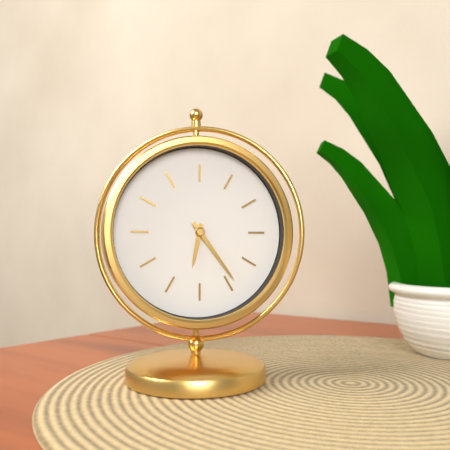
6,24
